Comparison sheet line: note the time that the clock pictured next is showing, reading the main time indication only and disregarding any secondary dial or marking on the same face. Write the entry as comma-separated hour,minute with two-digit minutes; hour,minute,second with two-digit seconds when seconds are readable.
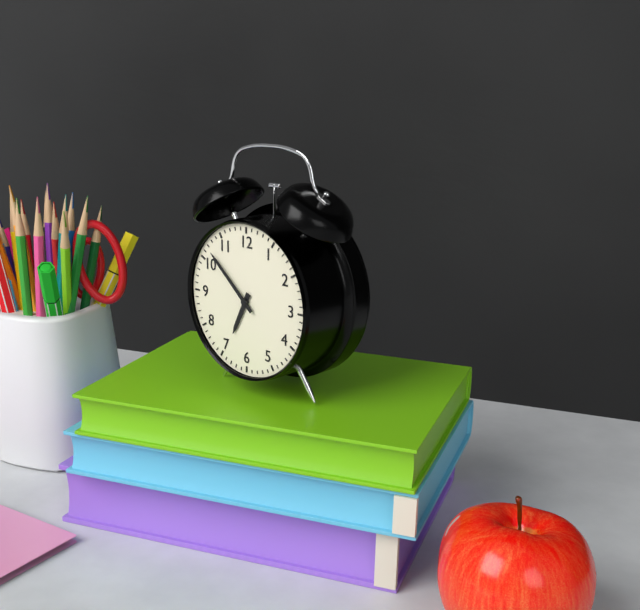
6,52
